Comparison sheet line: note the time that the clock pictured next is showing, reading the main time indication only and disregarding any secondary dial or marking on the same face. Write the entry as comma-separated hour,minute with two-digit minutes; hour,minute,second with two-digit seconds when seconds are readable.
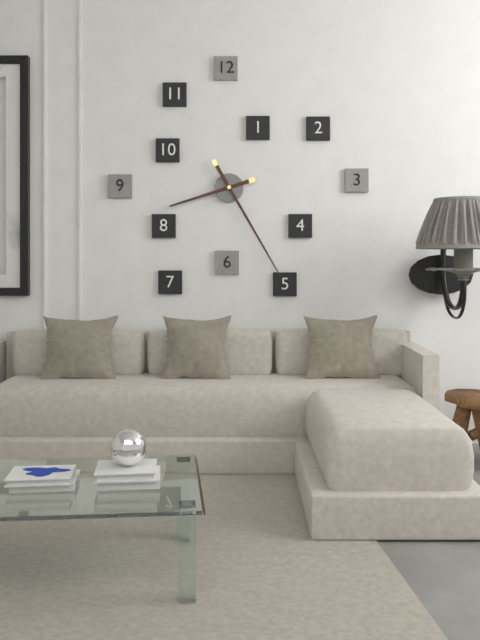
8,25
